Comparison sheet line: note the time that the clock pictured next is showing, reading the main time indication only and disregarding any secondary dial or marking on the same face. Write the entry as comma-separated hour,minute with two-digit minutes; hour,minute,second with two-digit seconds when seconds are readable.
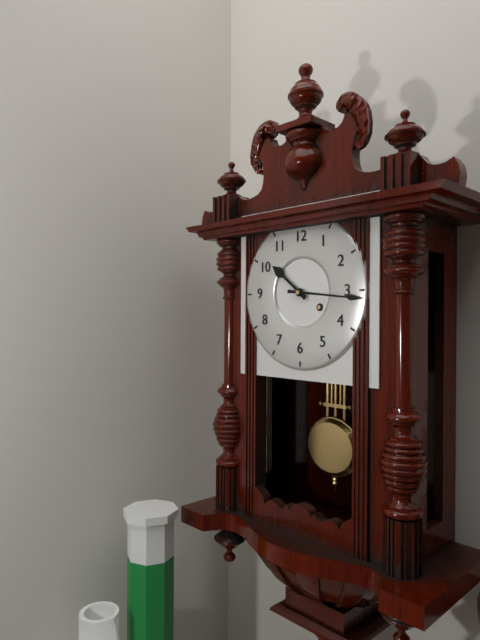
10,16
